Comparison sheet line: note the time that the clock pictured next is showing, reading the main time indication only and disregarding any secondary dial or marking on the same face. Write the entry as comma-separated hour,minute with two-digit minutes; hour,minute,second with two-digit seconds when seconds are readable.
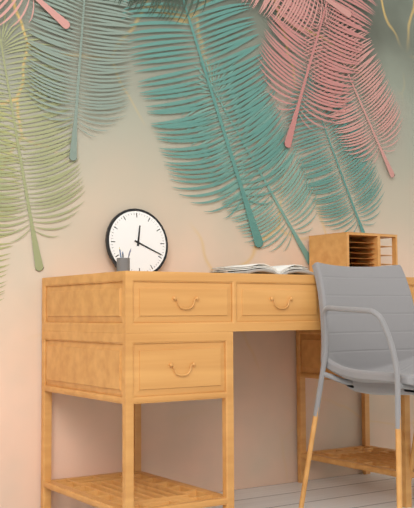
12,19
